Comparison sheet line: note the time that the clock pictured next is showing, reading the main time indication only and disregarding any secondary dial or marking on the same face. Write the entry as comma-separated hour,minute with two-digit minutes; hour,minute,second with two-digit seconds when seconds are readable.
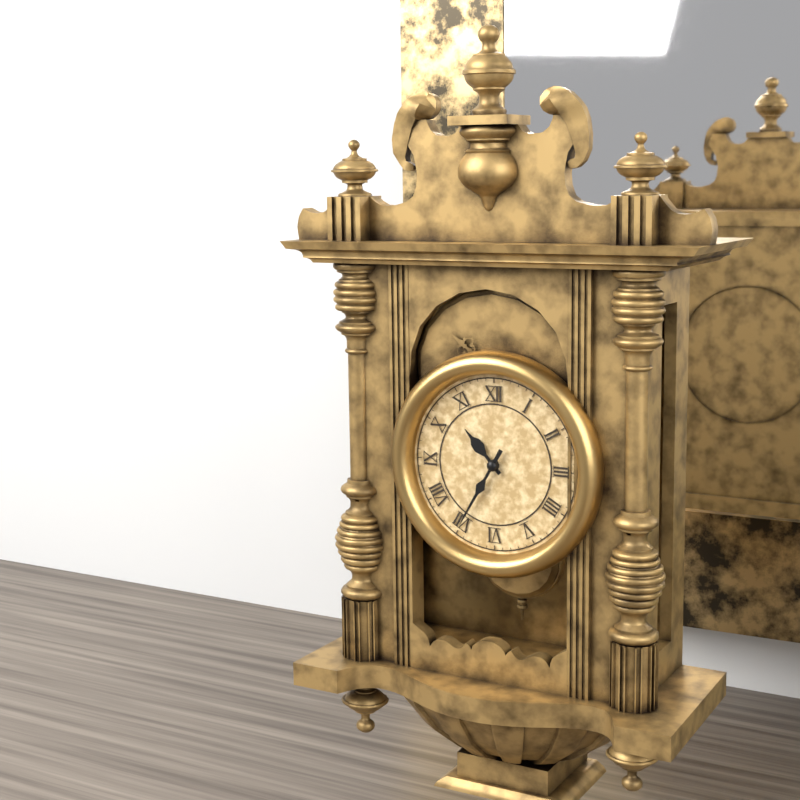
10,35
